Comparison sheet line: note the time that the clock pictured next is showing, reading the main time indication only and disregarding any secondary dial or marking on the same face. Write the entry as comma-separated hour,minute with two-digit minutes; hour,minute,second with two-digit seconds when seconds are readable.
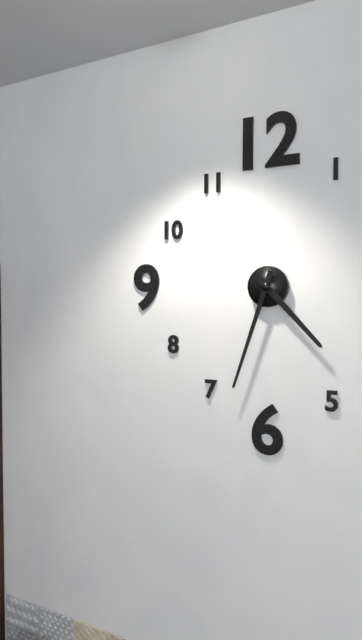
4,33
